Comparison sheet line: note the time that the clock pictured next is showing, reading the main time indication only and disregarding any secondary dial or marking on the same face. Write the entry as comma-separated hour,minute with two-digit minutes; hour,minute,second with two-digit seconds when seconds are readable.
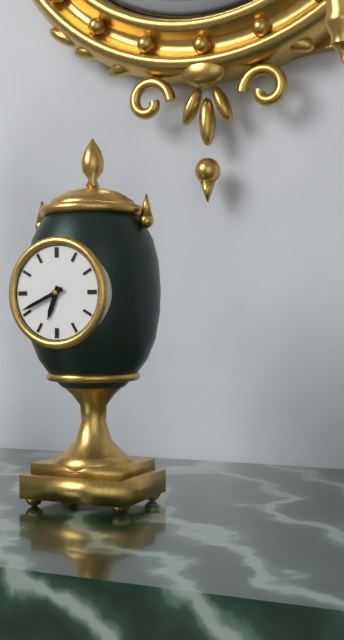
6,41
